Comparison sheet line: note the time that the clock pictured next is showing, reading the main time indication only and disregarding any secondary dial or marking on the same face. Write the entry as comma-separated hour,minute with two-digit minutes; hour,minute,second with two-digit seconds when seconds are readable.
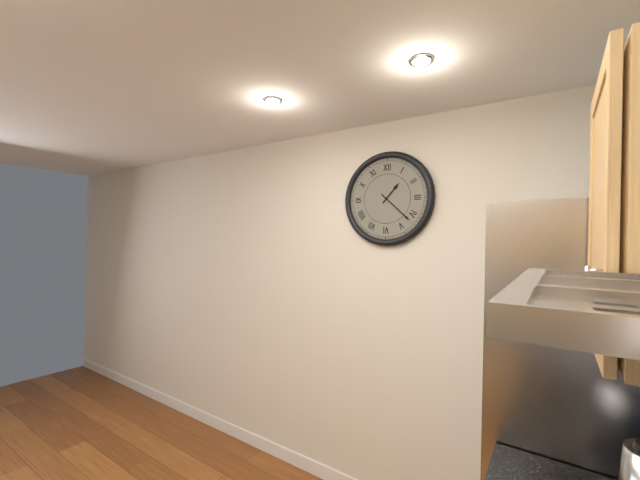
1,22
